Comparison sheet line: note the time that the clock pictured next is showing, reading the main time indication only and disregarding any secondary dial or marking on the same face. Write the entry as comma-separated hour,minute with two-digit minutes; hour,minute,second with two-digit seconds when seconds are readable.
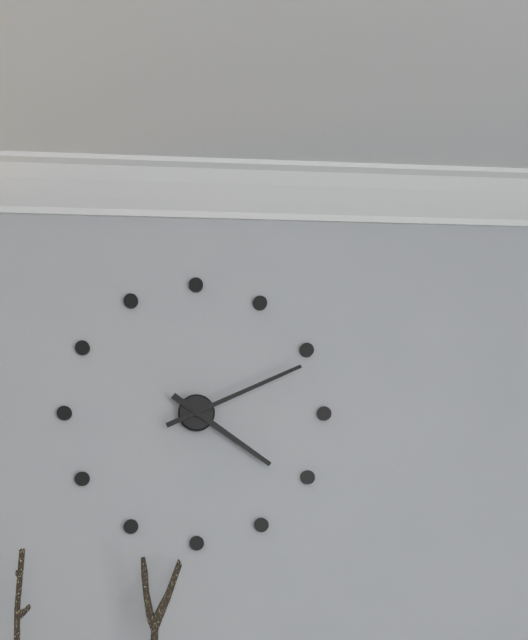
4,11
